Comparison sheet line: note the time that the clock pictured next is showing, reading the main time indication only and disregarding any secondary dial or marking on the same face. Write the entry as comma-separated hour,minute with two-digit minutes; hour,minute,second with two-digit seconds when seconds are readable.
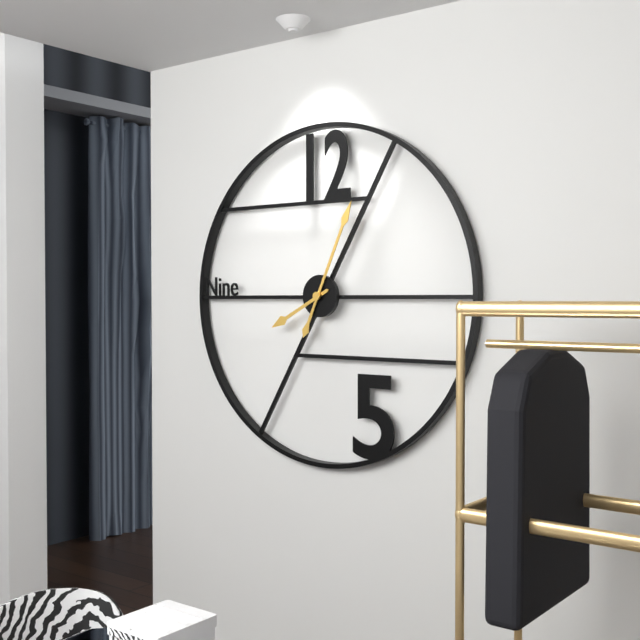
8,04
